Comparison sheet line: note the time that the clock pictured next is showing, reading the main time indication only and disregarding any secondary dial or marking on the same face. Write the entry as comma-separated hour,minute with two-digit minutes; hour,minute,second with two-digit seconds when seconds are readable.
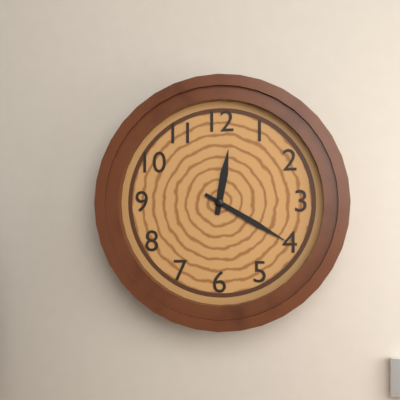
12,20
